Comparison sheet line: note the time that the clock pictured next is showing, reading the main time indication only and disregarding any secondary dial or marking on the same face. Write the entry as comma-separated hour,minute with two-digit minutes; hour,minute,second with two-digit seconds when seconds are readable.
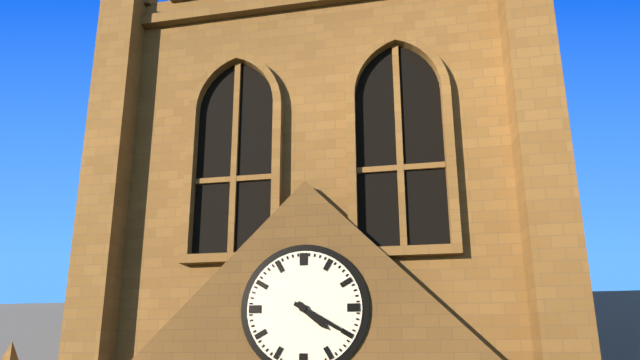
4,20
